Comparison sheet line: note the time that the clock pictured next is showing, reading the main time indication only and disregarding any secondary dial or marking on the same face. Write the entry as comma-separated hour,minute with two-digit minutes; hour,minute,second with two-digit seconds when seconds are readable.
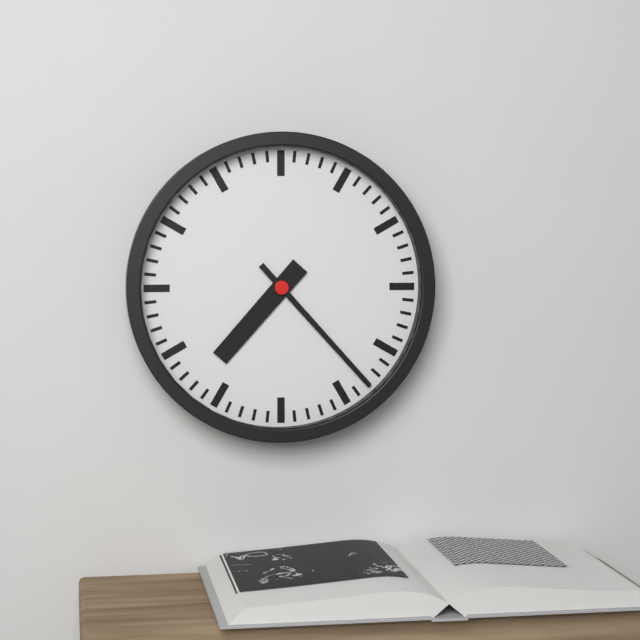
7,23
